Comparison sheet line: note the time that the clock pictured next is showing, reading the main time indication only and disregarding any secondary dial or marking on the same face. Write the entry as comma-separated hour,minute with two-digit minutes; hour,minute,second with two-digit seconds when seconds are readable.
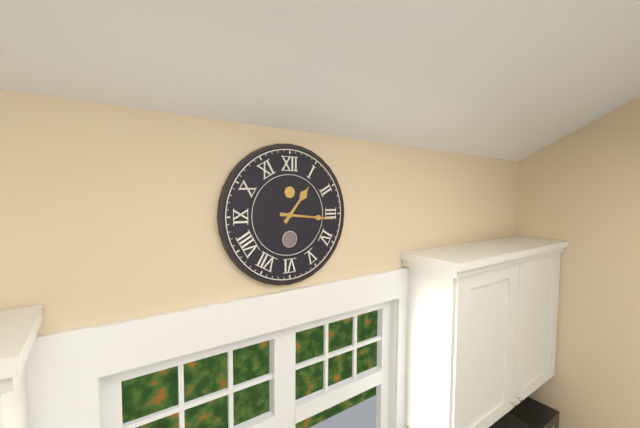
1,16
